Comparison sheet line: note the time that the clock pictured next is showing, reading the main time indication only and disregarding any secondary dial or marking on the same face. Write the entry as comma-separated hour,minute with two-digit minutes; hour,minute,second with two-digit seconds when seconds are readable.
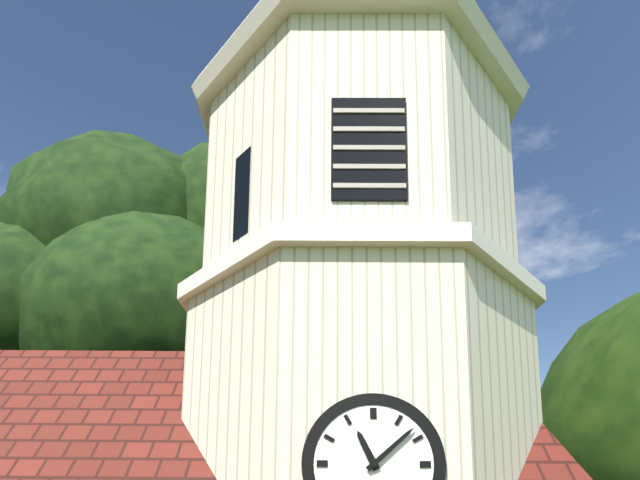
11,08
